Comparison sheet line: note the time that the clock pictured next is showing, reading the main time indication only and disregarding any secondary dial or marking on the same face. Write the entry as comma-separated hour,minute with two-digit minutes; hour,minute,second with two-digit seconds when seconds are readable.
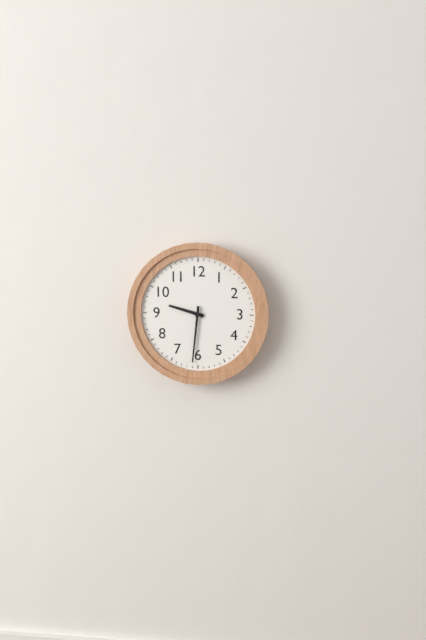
9,31
